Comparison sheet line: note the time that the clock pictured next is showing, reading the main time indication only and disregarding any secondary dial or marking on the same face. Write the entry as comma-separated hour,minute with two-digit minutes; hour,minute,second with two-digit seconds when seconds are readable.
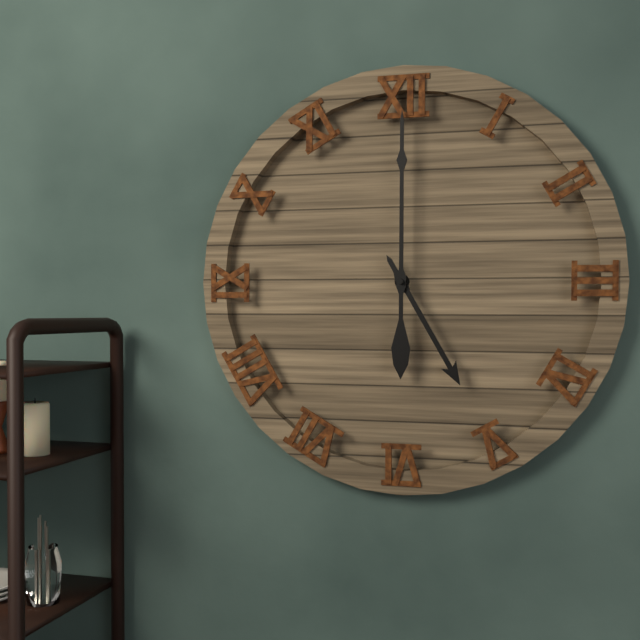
5,00
